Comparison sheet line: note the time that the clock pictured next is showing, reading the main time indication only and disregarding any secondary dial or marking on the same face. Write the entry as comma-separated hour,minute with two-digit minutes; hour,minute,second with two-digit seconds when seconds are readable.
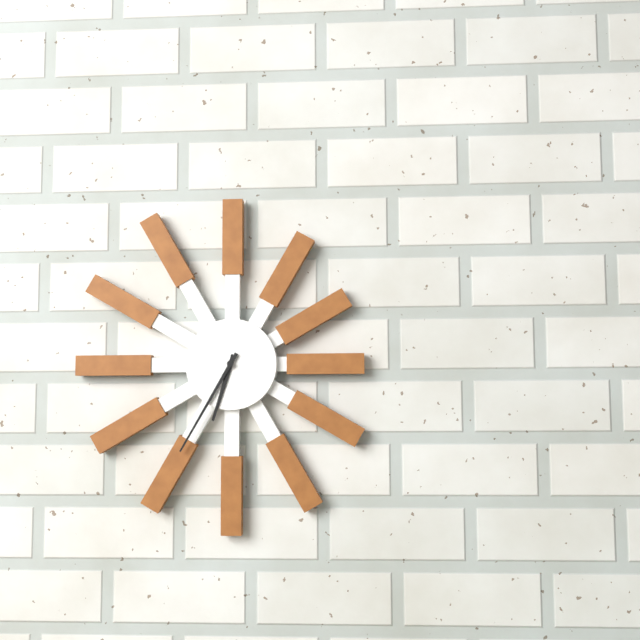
6,35
